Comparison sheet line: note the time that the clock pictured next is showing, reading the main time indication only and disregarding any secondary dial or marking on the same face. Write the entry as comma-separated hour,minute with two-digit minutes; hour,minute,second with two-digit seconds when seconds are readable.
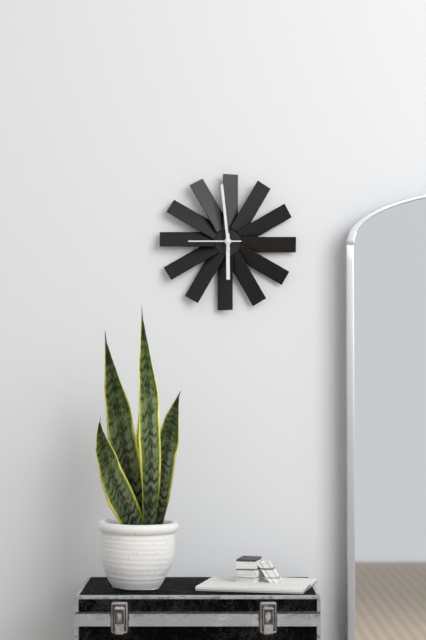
5,59
